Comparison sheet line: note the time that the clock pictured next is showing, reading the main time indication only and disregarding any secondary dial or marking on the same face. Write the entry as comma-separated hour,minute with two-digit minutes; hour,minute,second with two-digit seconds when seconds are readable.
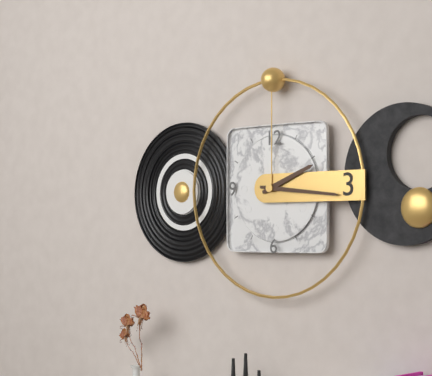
2,16
